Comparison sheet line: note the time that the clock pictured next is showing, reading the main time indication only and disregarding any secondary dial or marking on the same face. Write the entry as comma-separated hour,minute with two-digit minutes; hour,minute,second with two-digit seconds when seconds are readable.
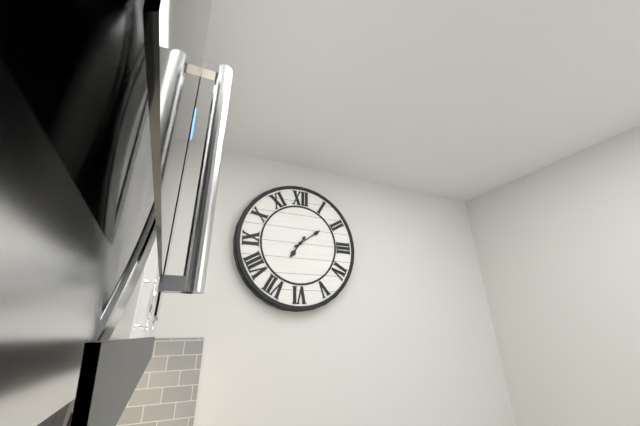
7,09
